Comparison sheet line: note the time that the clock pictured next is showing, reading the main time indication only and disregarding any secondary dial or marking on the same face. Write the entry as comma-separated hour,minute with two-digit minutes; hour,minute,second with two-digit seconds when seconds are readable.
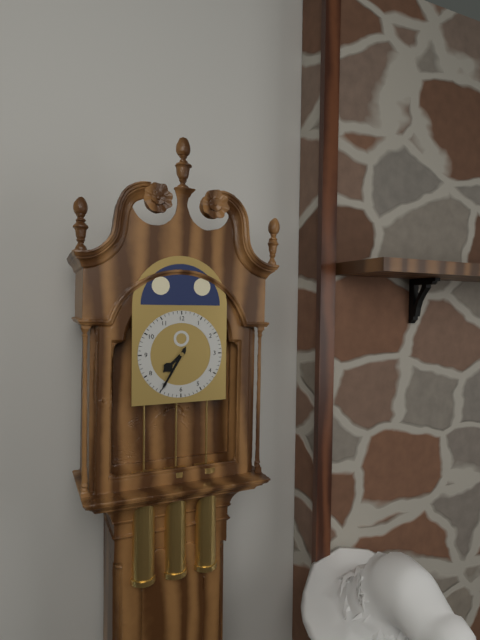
7,35
